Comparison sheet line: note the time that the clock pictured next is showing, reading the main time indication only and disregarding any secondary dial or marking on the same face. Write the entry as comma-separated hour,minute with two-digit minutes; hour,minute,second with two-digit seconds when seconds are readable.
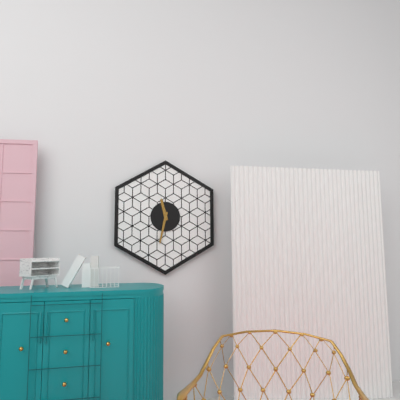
11,32
